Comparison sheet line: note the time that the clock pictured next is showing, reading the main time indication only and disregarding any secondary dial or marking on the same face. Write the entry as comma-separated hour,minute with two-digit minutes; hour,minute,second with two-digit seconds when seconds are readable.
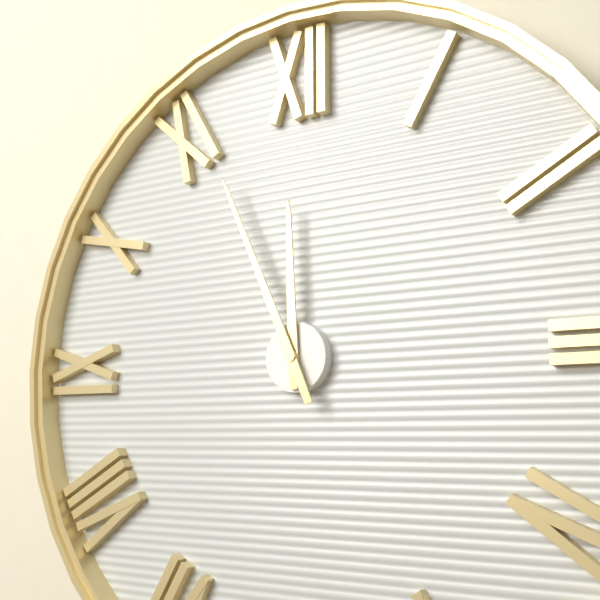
11,56
